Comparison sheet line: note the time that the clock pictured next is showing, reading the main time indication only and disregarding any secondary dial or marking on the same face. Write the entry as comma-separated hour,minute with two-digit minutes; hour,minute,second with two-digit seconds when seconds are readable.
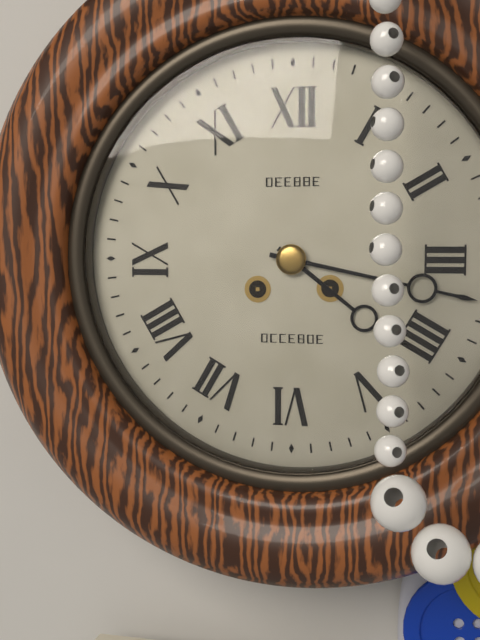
4,17
